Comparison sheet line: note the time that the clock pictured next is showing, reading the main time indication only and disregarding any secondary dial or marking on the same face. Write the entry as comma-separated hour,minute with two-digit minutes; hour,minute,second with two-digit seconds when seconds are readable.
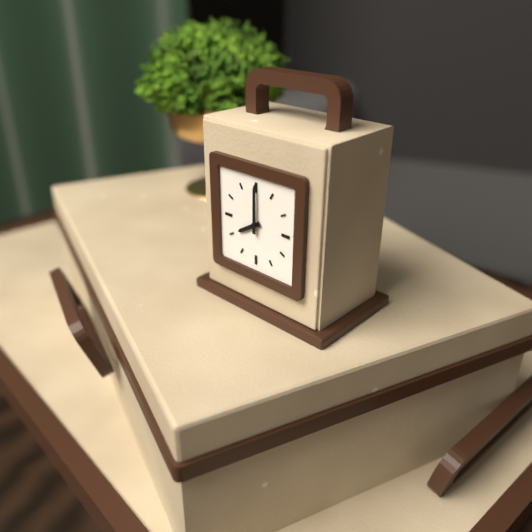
8,00
